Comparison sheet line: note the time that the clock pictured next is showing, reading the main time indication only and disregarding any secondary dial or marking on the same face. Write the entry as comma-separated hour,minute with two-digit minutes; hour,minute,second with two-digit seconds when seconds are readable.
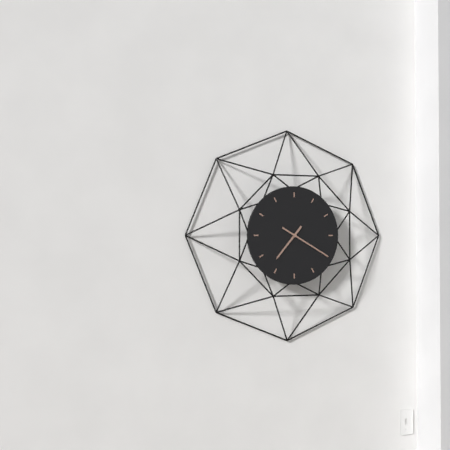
7,20
